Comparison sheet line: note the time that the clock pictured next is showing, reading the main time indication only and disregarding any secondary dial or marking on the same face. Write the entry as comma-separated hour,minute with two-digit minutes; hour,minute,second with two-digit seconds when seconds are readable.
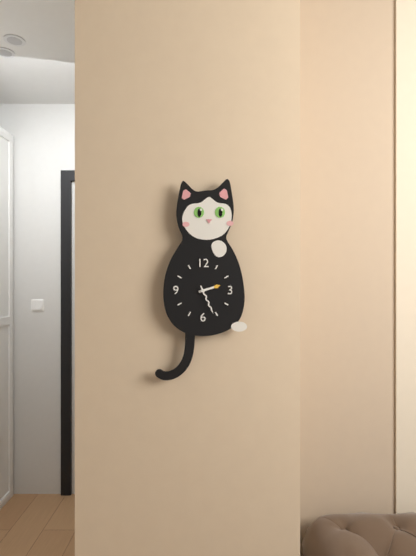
2,26
